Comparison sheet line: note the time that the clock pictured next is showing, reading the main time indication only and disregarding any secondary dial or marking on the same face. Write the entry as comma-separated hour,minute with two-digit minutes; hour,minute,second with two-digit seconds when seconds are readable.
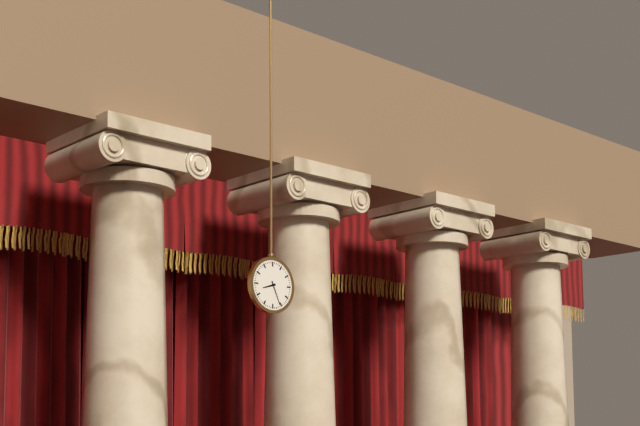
8,26
